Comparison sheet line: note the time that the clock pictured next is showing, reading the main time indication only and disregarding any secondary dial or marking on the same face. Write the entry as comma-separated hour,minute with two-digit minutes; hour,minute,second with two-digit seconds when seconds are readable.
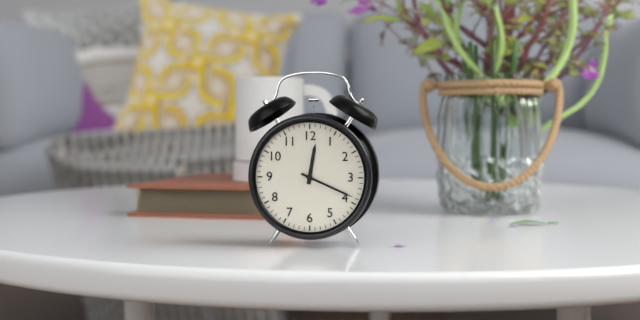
12,19
